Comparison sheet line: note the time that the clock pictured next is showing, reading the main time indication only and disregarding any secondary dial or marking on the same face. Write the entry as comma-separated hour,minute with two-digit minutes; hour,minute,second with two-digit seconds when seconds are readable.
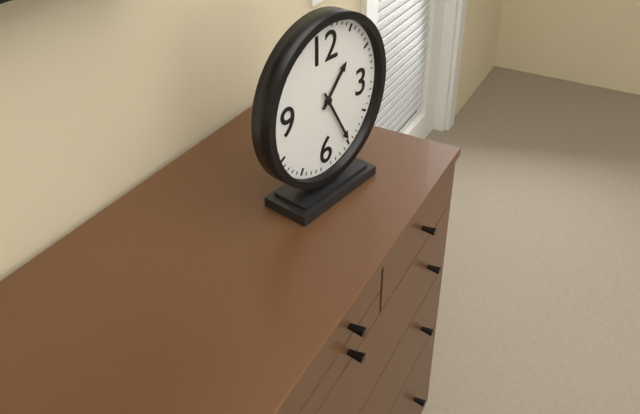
1,25
